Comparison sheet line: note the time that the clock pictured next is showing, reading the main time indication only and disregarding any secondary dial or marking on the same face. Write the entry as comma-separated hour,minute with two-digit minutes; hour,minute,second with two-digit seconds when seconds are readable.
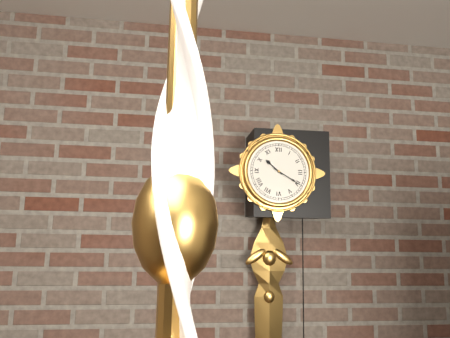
10,20
